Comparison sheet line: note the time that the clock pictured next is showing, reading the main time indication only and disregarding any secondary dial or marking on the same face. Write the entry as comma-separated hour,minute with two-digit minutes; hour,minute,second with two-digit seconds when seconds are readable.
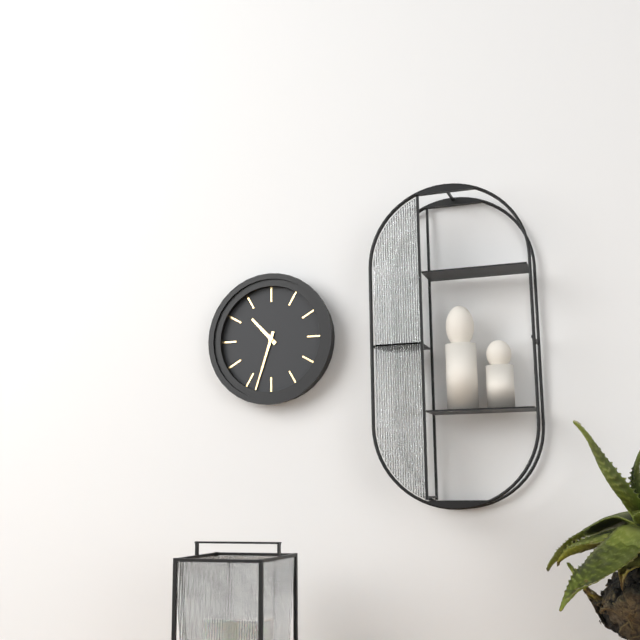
10,33
